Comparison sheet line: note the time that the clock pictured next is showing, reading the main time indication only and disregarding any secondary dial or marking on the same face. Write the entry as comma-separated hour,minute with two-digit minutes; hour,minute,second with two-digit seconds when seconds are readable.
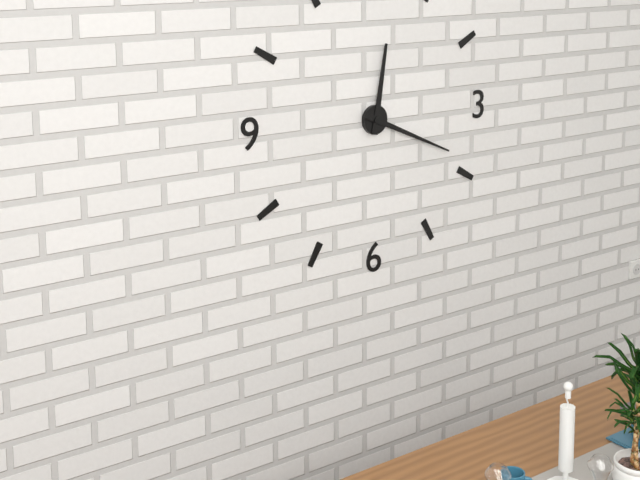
12,19
